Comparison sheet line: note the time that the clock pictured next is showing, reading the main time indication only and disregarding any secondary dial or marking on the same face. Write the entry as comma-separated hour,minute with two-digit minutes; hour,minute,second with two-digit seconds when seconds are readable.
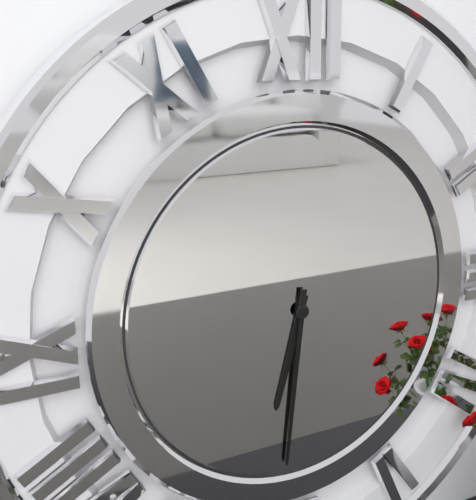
6,31
